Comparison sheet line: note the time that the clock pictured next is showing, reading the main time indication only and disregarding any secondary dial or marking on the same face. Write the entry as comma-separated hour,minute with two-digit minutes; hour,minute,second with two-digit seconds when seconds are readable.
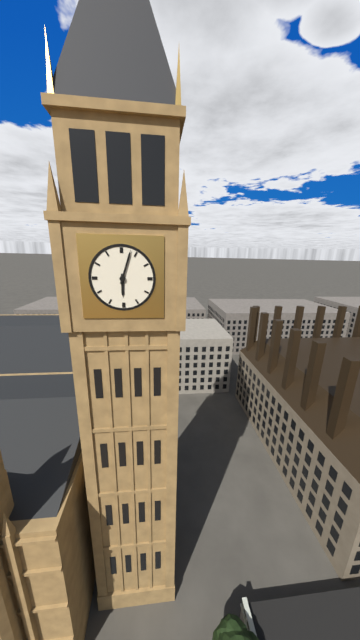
6,03
